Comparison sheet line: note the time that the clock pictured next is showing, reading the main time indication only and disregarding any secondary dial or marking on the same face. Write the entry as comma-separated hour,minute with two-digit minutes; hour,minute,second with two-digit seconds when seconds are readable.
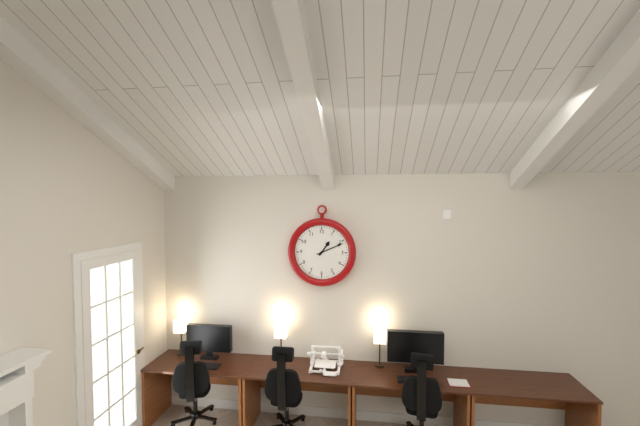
1,11
